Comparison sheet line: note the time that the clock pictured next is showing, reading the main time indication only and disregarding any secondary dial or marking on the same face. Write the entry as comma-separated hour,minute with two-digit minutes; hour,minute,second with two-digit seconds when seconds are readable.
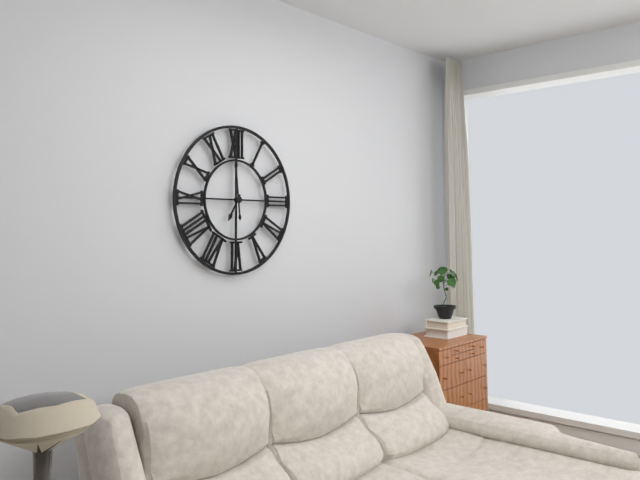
6,59
